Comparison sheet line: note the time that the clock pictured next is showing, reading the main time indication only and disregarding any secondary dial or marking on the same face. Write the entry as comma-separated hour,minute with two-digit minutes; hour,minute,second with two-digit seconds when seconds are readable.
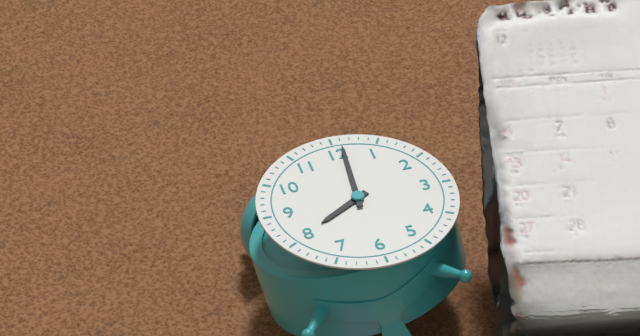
8,01
